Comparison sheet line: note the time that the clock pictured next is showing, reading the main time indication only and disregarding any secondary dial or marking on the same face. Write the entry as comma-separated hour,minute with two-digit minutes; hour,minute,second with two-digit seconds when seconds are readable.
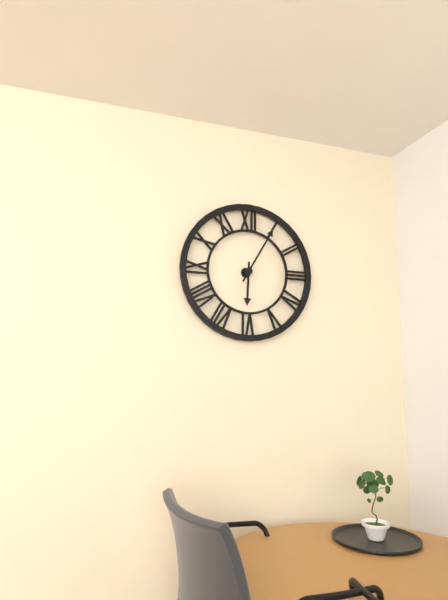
6,05
